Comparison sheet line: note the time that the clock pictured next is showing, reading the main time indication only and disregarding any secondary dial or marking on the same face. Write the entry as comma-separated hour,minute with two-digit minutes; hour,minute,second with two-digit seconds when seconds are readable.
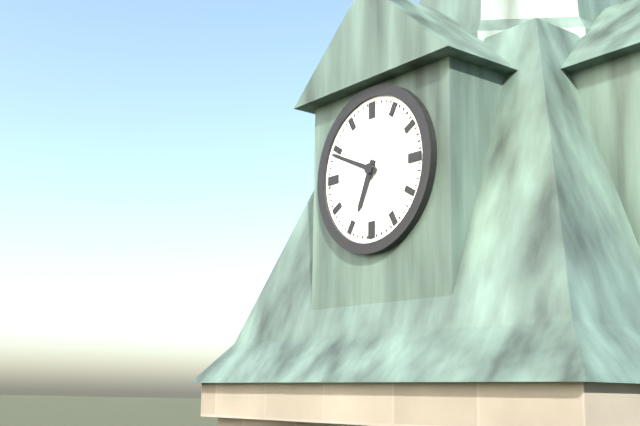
6,49
